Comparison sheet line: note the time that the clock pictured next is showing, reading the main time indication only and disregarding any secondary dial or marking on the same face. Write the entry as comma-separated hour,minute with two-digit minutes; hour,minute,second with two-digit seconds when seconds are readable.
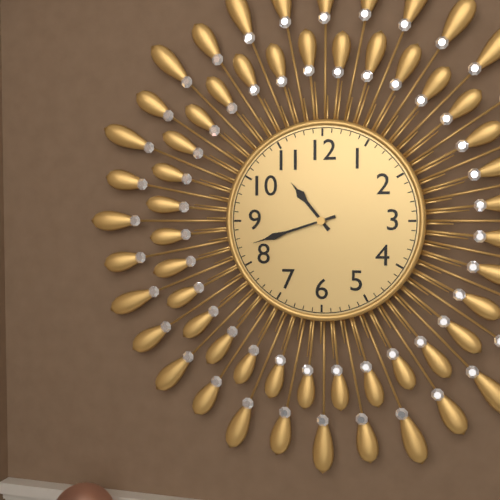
10,42
